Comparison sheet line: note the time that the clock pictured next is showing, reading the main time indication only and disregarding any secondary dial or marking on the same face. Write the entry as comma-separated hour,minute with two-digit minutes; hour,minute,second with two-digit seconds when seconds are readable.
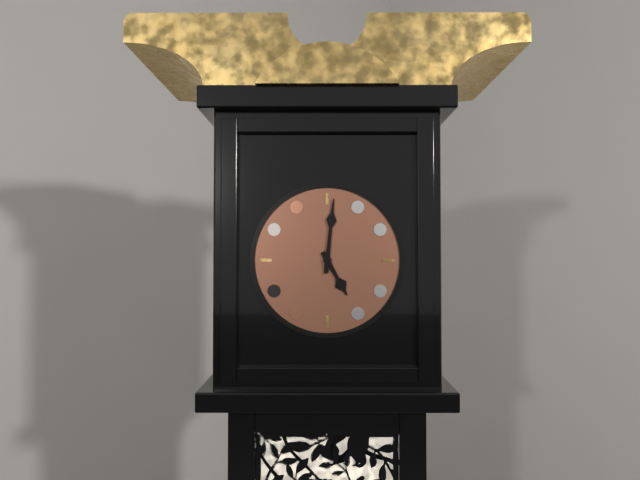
5,01
